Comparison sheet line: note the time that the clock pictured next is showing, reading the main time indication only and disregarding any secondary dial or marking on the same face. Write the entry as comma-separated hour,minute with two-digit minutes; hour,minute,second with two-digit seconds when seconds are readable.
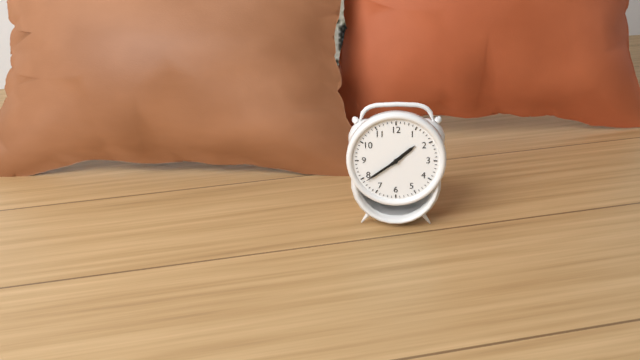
1,39
